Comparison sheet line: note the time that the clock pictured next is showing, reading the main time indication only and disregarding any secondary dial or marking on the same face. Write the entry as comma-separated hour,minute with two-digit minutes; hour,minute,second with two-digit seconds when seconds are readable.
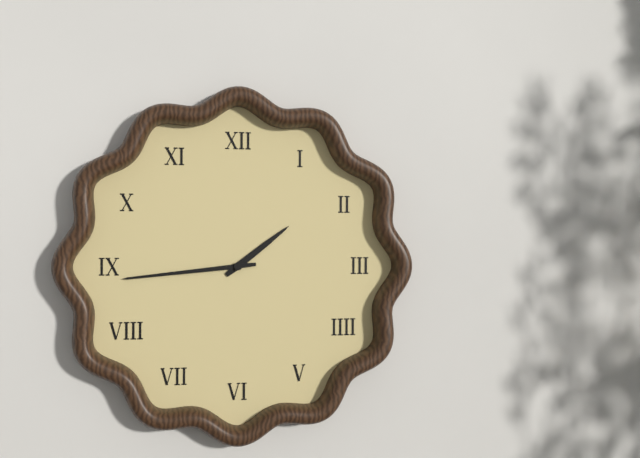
1,44
